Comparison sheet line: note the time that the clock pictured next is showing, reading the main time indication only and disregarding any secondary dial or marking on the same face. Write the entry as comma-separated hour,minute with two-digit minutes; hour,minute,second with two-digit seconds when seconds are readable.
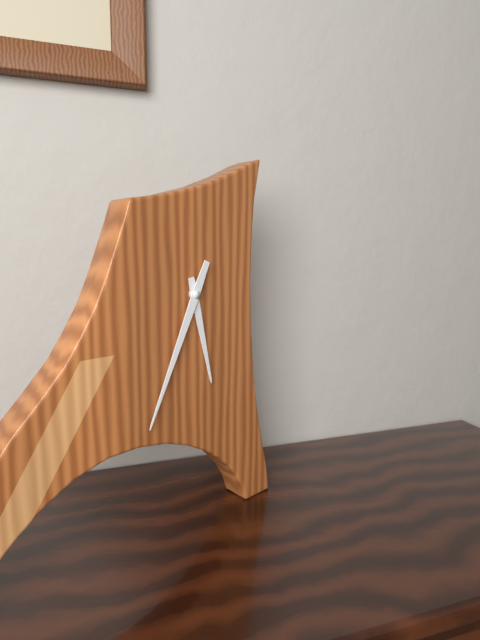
5,34
